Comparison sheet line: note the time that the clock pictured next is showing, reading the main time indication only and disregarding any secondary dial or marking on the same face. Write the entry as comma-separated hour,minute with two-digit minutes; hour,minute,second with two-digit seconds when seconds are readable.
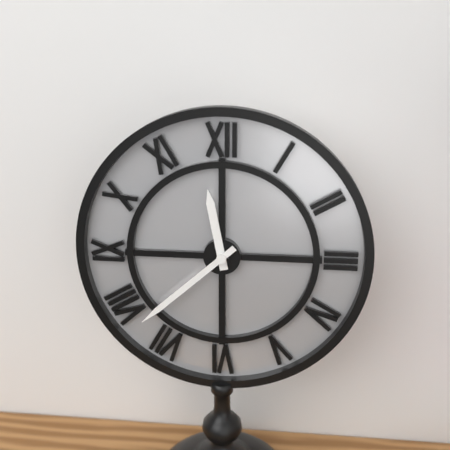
11,38
